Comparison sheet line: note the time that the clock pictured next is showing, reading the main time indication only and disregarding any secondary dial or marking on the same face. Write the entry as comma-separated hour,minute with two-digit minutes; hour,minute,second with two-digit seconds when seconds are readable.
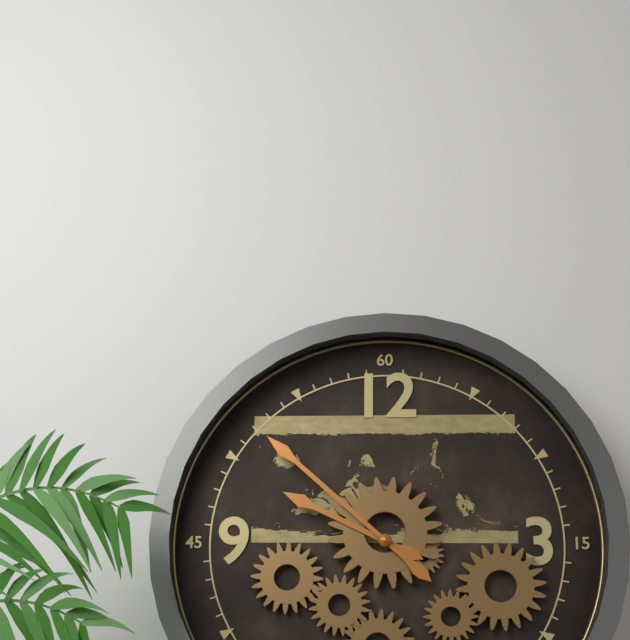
9,52
